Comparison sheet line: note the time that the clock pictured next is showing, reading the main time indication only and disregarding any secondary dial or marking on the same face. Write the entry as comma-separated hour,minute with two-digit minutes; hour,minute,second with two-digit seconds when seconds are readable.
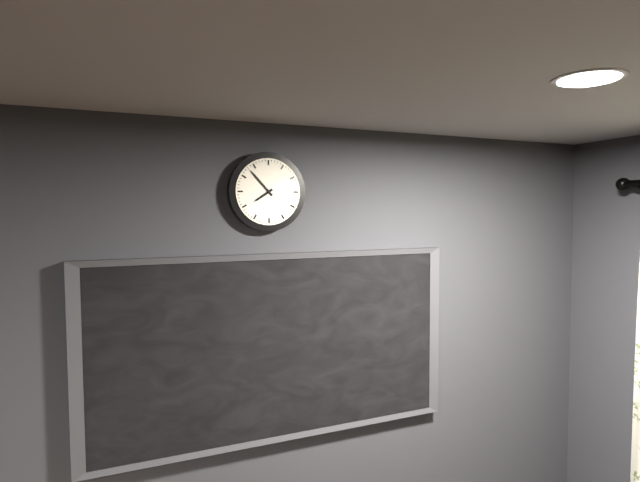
7,53
